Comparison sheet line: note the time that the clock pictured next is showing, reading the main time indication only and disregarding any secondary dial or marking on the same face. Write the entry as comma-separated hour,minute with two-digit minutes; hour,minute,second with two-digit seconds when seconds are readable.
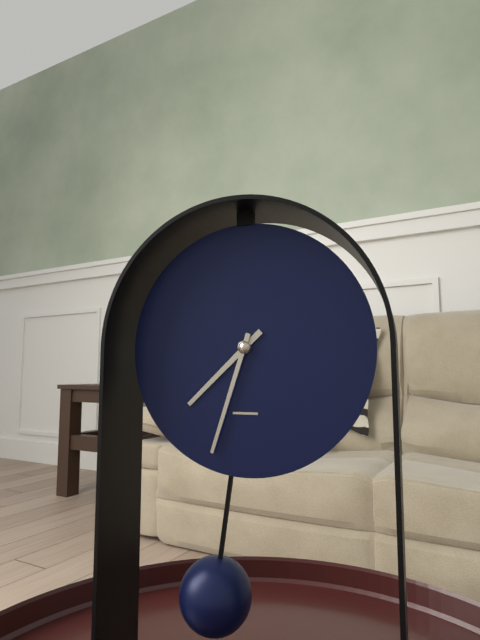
7,33
